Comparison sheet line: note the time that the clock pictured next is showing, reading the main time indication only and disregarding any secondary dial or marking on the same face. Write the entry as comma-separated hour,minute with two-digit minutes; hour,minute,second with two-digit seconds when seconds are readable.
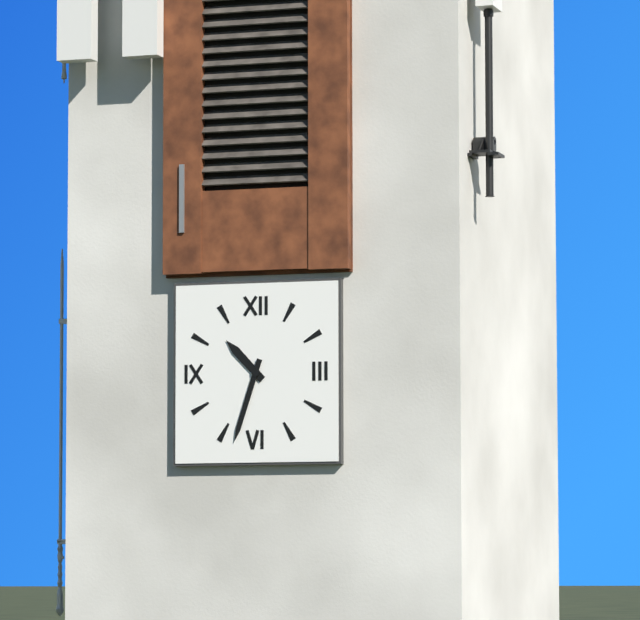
10,33
